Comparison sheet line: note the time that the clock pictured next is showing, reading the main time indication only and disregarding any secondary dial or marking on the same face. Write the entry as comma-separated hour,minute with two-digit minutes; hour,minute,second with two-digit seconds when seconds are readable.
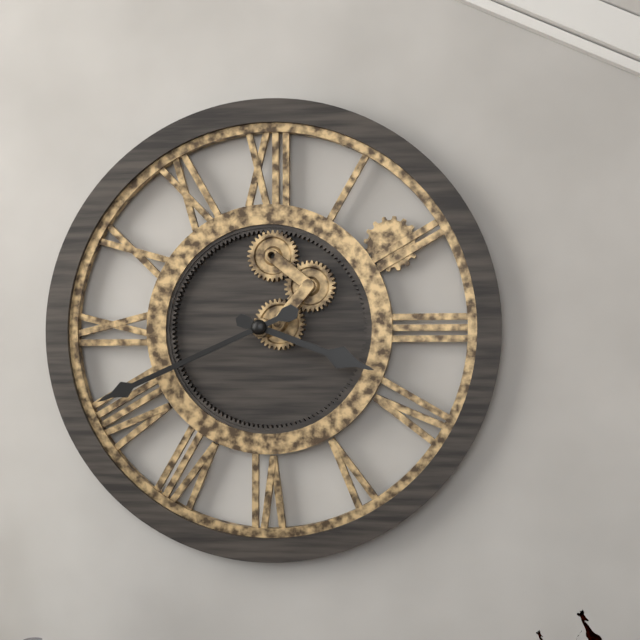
3,41
